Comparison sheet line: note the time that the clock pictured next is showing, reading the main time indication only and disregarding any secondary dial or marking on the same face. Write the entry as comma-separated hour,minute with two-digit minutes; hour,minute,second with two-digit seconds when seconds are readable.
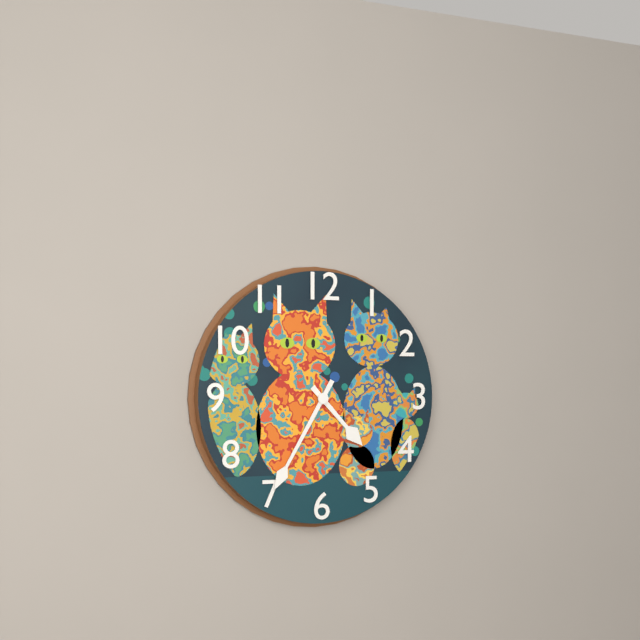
4,35
